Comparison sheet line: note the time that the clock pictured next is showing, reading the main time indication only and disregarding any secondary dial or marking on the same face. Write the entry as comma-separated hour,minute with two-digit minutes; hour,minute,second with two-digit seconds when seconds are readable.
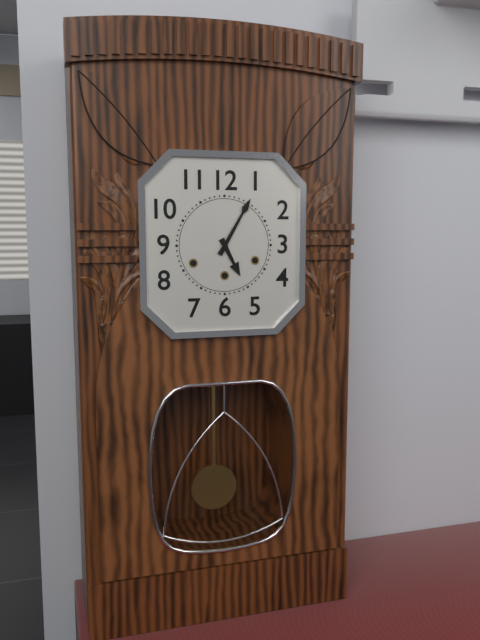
5,05
